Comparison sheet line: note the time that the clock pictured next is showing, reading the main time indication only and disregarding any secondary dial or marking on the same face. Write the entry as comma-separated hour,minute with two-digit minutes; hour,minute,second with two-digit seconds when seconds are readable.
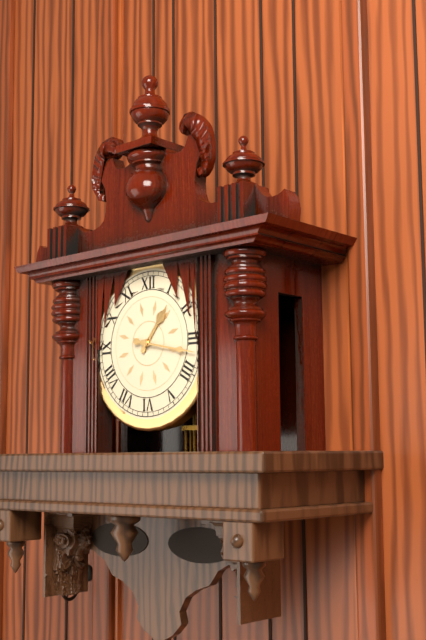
1,17
